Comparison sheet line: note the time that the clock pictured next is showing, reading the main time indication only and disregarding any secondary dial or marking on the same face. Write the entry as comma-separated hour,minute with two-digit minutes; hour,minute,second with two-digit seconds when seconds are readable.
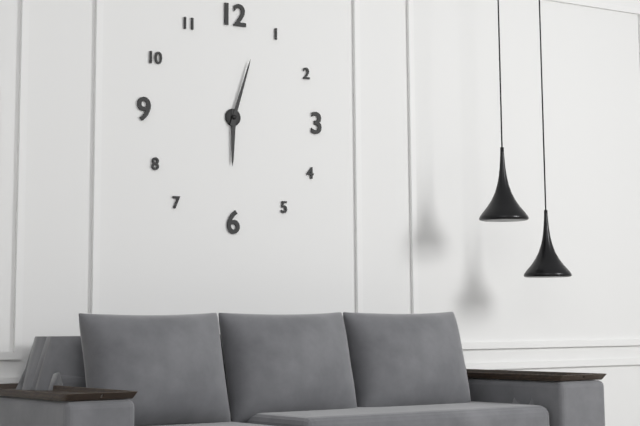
6,03
